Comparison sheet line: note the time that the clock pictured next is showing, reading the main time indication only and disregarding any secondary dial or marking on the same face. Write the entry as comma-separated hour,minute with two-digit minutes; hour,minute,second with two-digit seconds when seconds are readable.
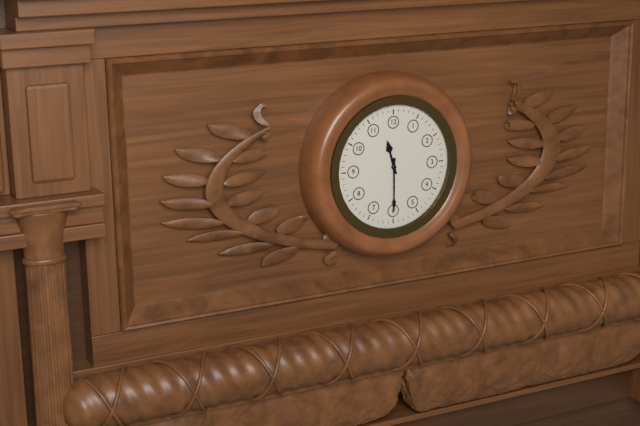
11,30
